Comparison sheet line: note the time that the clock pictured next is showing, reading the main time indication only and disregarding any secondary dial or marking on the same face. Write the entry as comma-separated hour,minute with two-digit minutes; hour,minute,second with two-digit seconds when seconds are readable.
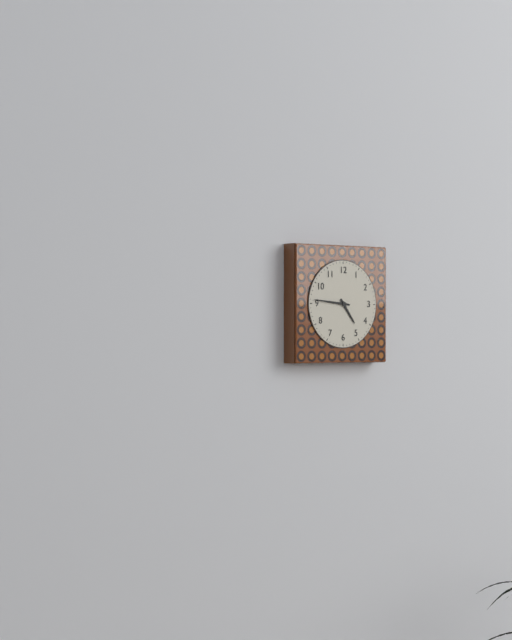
4,46
